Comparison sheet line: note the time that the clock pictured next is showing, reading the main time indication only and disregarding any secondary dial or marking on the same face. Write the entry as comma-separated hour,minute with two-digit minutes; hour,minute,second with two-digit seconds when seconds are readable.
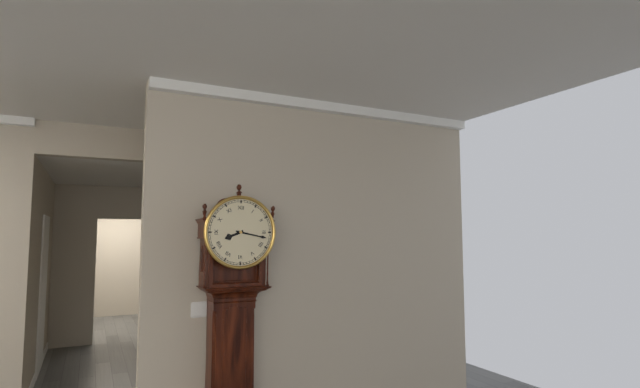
8,17
